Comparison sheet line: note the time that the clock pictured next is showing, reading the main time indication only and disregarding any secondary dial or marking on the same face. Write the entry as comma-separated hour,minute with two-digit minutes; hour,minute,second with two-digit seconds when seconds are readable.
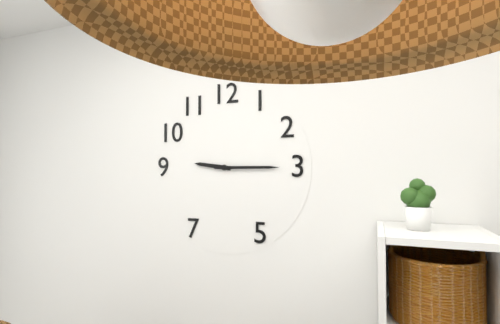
9,15
